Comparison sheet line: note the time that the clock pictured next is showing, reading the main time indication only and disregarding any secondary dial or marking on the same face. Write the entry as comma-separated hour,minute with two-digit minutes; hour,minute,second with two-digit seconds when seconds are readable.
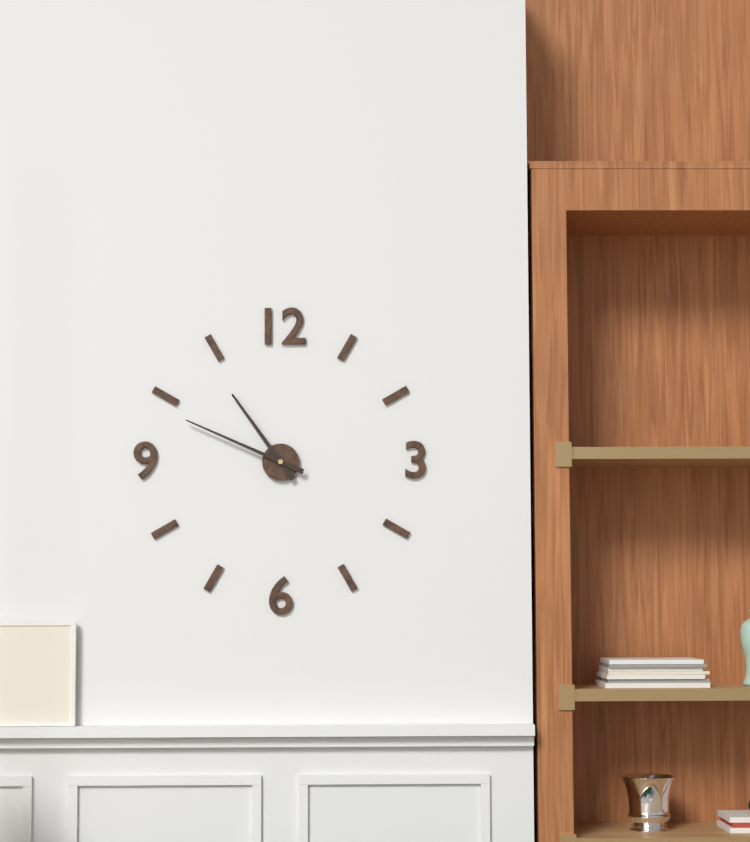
10,49
